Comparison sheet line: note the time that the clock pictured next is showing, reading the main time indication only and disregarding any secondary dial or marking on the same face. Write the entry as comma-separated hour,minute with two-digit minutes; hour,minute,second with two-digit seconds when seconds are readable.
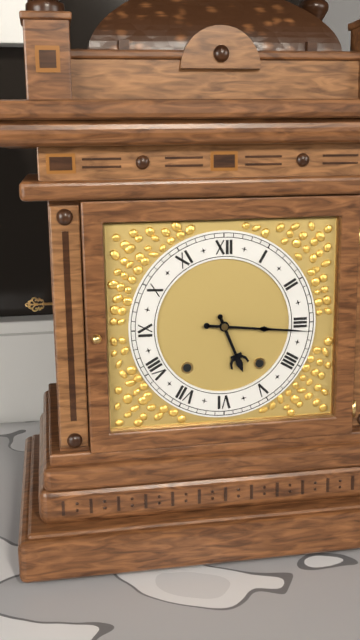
5,16
